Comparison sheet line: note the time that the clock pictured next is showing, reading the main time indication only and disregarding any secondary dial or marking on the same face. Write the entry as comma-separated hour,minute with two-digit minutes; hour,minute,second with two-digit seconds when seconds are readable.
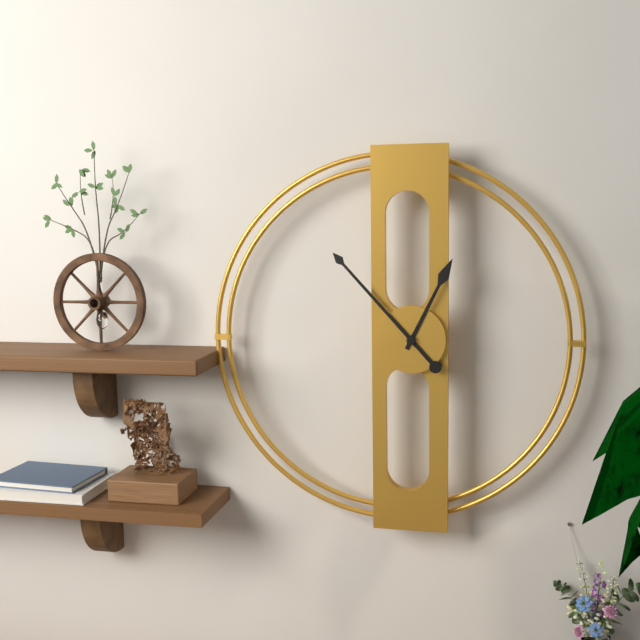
12,53
